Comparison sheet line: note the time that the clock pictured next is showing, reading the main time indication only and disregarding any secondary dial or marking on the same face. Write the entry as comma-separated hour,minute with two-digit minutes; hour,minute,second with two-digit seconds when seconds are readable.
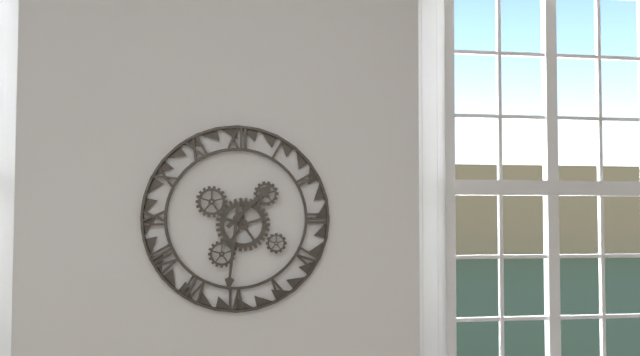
1,31
